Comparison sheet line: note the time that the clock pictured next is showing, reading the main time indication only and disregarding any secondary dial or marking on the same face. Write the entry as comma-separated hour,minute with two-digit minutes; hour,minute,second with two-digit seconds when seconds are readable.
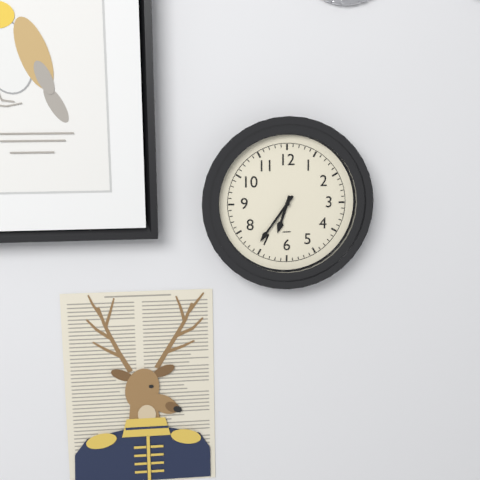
6,36
